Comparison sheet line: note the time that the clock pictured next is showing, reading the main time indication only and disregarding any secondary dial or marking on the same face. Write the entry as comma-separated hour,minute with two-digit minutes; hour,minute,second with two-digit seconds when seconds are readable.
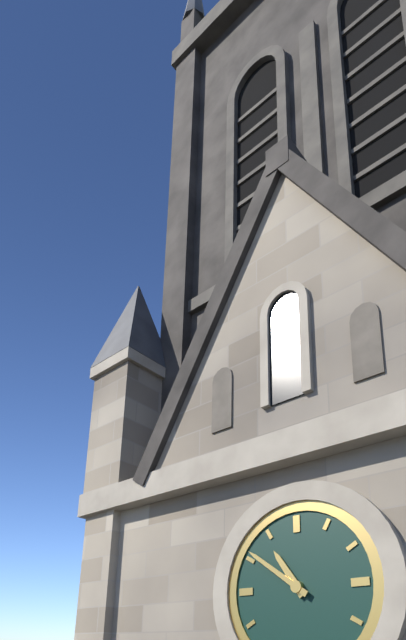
10,51
